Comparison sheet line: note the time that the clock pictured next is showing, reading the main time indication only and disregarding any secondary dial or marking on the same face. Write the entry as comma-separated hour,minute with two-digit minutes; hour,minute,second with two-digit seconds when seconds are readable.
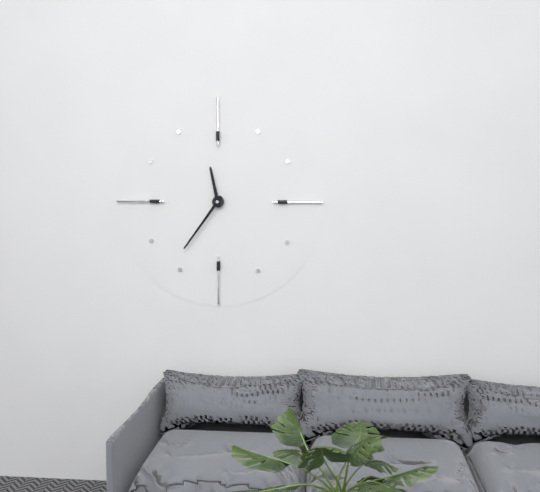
11,36
